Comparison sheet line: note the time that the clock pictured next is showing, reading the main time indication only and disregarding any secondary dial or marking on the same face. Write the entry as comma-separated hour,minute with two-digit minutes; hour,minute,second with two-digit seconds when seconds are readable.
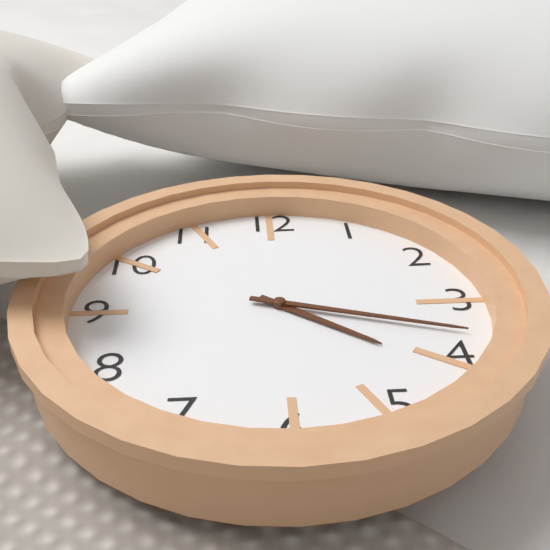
4,18
